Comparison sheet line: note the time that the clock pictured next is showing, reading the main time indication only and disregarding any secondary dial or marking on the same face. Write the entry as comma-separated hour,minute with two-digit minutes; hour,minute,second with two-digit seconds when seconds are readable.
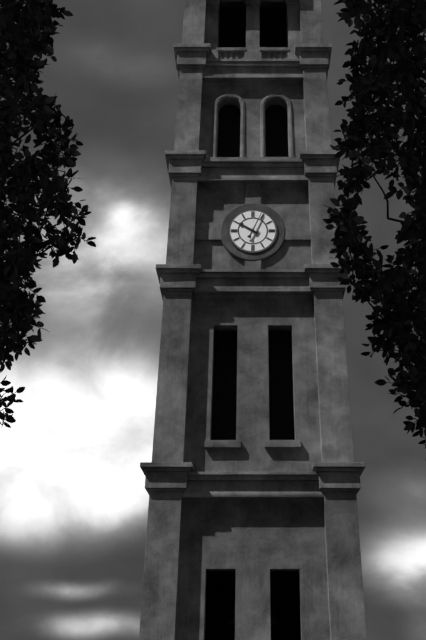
10,04
